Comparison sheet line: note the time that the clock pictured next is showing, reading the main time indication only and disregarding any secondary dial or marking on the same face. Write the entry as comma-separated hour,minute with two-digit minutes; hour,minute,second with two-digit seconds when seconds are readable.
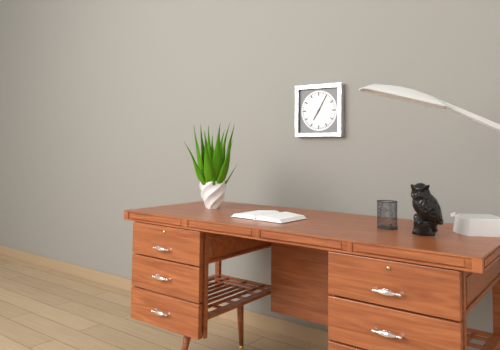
7,05
